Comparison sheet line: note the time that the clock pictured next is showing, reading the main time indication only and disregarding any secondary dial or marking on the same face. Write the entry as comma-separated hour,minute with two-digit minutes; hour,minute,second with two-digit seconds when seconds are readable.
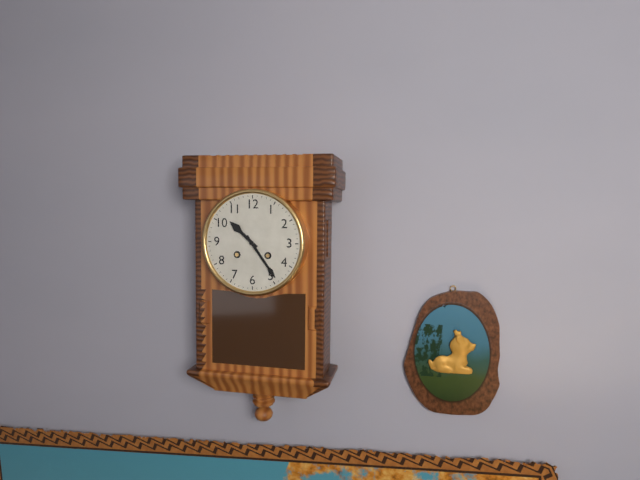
10,24
